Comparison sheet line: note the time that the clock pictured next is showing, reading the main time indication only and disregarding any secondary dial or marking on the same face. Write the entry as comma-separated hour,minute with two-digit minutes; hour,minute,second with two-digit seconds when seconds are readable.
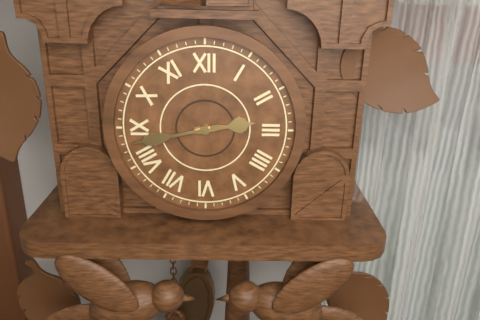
2,43
